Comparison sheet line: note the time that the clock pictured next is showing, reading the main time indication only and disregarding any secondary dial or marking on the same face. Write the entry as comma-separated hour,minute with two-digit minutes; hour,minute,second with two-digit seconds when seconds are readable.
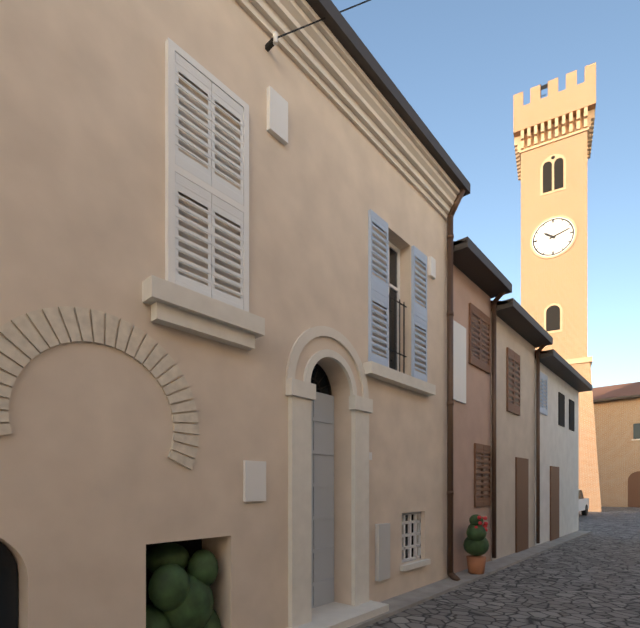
10,12
